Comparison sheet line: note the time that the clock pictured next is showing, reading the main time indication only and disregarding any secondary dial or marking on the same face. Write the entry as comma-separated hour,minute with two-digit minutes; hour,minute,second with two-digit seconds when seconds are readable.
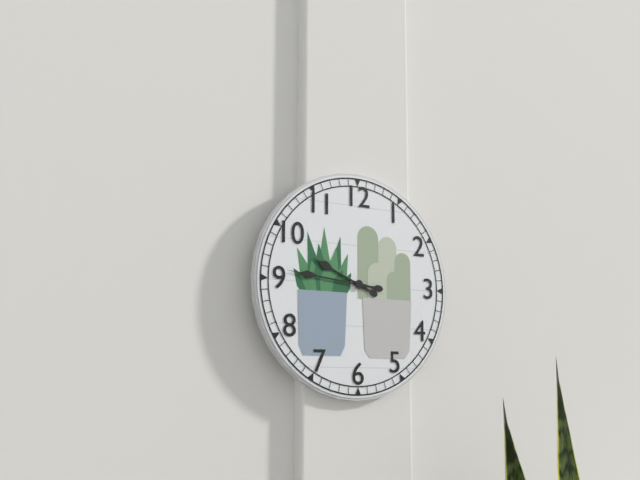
9,46
